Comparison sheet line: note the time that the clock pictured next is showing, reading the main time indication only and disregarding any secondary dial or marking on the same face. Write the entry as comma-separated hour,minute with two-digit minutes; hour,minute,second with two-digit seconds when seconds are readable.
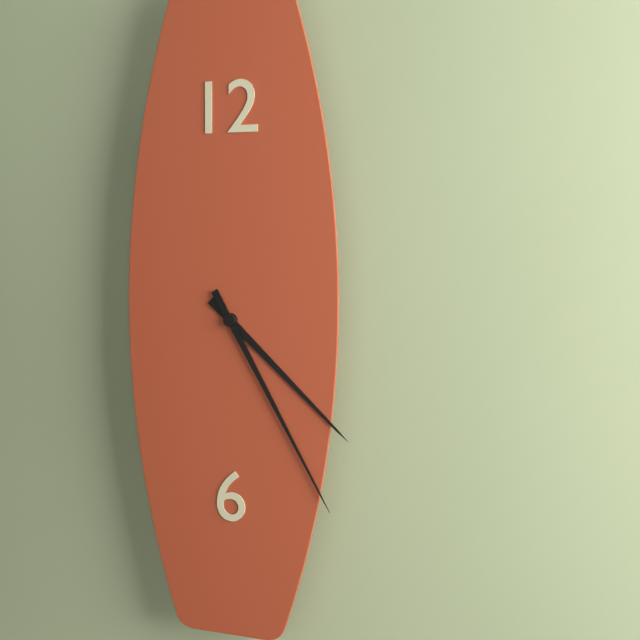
4,25
